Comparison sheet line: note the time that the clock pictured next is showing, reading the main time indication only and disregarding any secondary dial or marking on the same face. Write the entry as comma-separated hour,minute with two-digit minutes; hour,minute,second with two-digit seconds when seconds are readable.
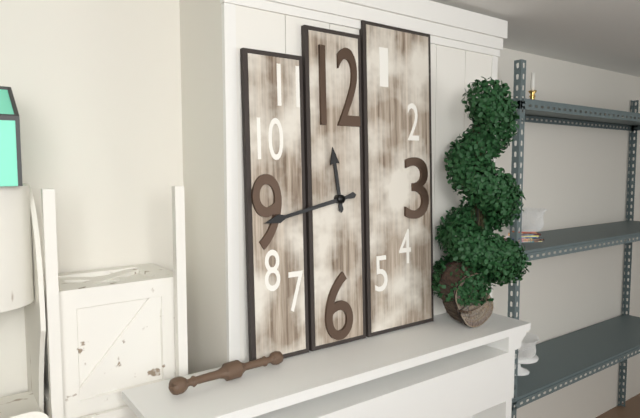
11,43
